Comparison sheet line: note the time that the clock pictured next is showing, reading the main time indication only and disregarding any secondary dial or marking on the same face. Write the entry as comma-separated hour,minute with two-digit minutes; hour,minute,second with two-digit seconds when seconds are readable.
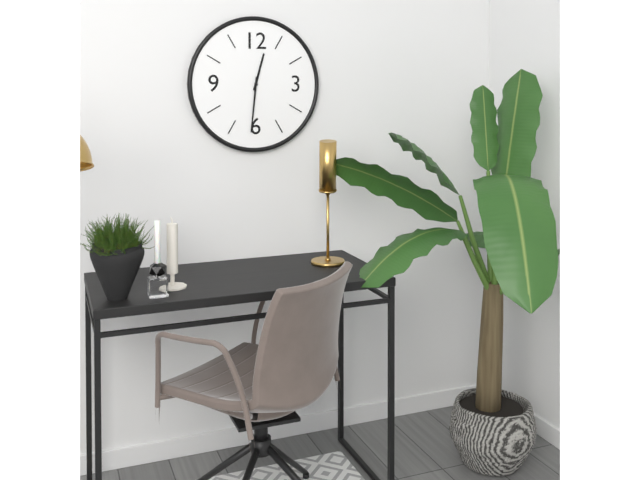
12,31
